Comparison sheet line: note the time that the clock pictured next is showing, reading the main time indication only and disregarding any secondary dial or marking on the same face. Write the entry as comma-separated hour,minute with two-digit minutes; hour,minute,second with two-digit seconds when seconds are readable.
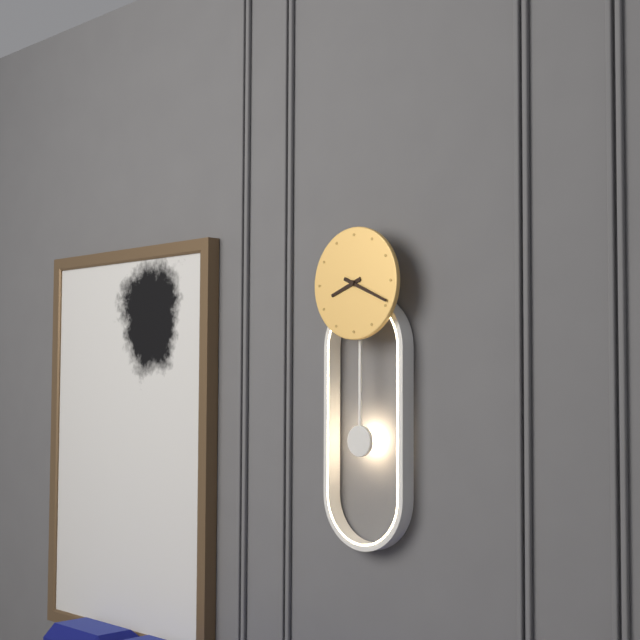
8,19
